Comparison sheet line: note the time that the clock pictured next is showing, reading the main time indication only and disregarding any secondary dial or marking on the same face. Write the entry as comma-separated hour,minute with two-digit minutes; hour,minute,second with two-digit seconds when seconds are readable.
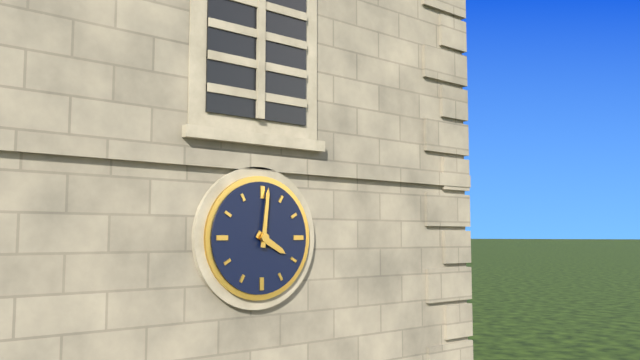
4,01
